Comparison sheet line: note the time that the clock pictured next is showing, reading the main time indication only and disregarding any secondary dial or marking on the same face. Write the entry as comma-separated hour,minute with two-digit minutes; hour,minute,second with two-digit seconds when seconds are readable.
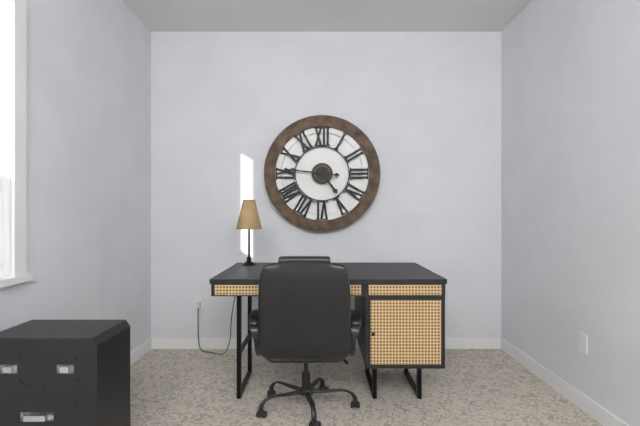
4,46
